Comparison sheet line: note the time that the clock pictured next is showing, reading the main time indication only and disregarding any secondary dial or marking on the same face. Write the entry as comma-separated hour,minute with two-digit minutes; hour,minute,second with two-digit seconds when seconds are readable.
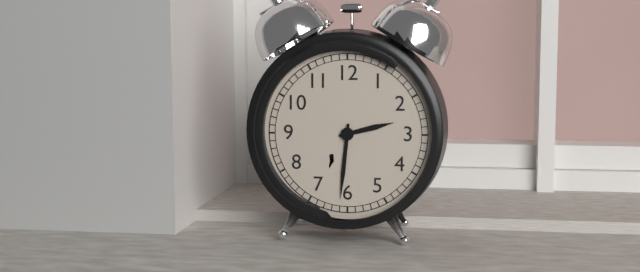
2,31
